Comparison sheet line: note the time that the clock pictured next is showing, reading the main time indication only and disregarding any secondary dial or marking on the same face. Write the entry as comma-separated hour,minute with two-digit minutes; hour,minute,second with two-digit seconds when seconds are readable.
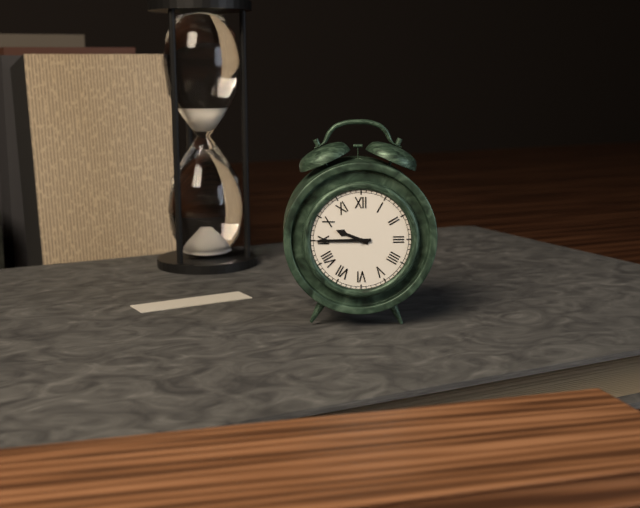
9,45
